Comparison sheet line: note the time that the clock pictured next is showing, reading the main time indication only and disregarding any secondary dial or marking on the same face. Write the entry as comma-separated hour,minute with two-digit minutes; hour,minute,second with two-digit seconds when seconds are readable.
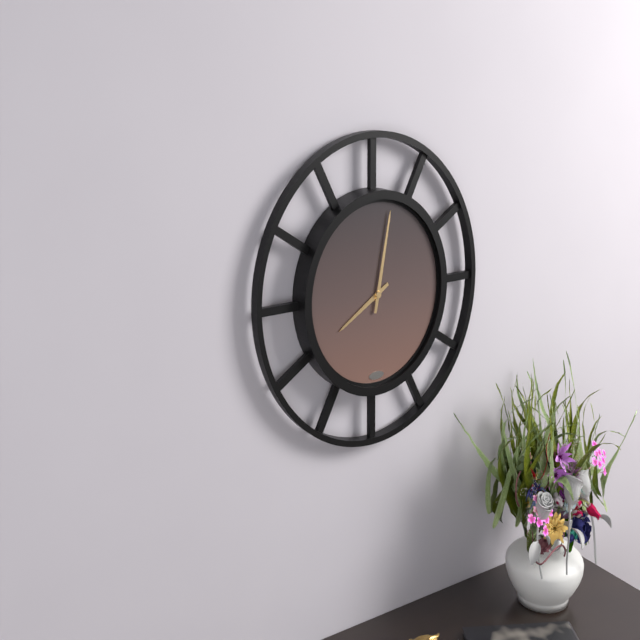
8,02
